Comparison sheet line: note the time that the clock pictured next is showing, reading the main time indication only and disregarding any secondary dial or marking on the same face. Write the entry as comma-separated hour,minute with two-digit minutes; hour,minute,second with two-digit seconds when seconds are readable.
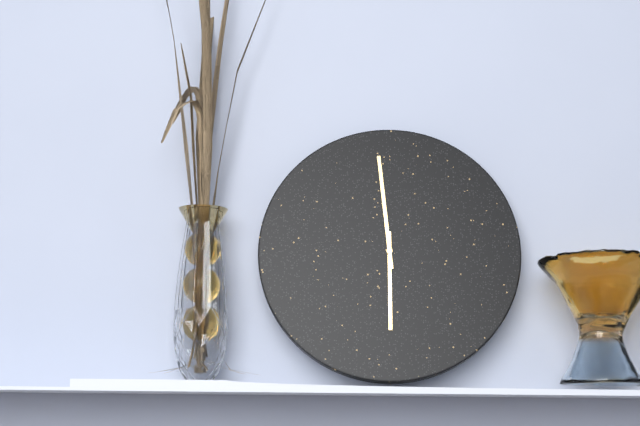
5,59
